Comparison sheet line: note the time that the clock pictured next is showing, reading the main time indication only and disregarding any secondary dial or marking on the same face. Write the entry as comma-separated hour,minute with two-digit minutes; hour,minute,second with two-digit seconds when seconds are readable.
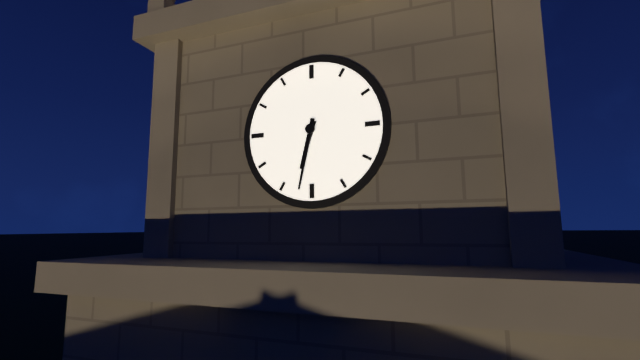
6,32
